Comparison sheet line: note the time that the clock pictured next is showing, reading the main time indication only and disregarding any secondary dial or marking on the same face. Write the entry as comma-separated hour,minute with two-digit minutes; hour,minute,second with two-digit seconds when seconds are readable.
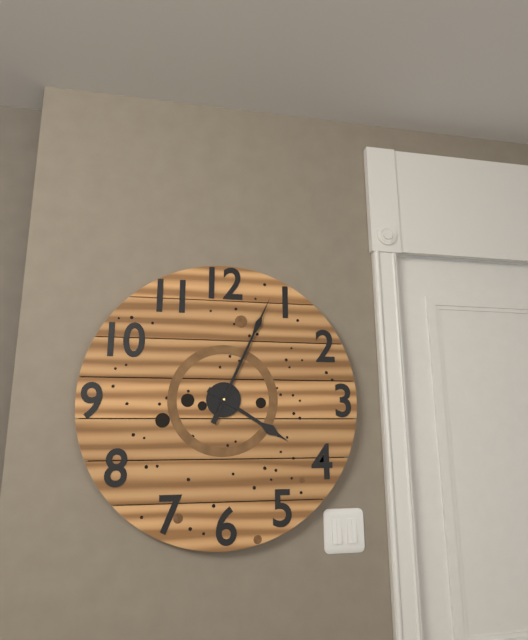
4,04
